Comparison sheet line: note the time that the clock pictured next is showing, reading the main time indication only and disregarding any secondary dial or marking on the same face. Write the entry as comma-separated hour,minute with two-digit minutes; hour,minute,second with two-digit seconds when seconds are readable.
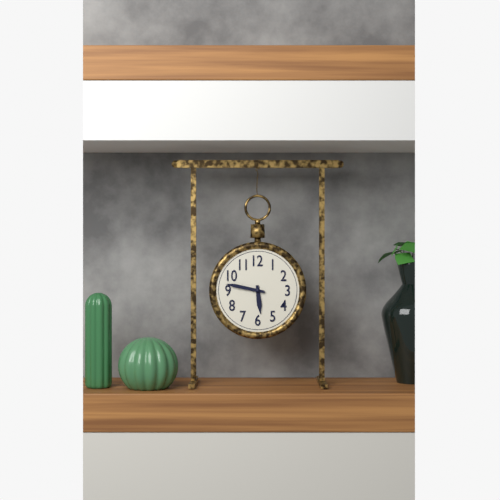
5,47
